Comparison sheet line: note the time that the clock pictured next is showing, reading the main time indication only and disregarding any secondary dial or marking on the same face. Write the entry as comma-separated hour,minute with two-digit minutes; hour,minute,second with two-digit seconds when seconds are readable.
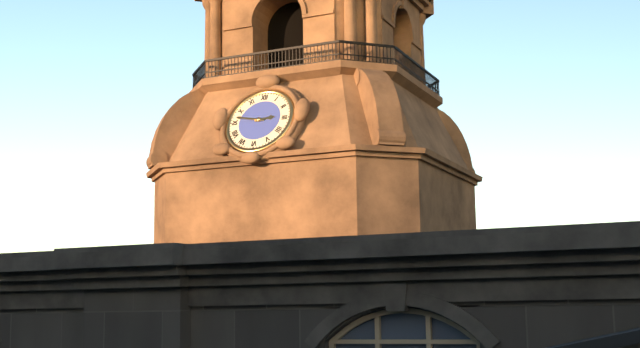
2,47
